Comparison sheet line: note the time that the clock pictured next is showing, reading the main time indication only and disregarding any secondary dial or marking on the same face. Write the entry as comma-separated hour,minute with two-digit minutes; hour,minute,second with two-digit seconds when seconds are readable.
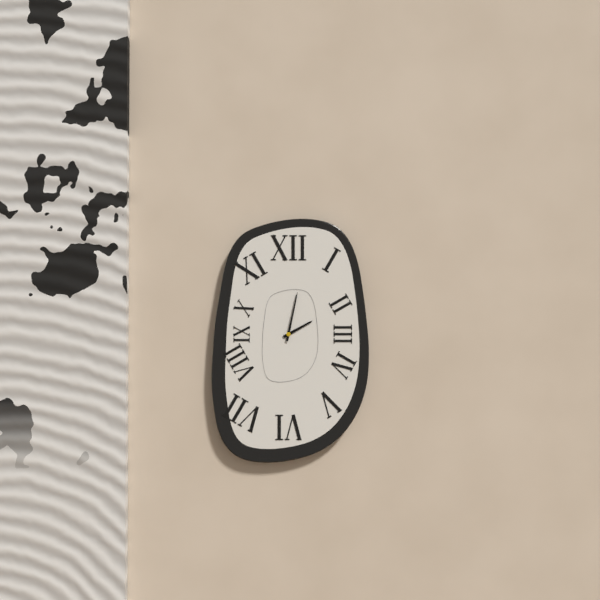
2,02
